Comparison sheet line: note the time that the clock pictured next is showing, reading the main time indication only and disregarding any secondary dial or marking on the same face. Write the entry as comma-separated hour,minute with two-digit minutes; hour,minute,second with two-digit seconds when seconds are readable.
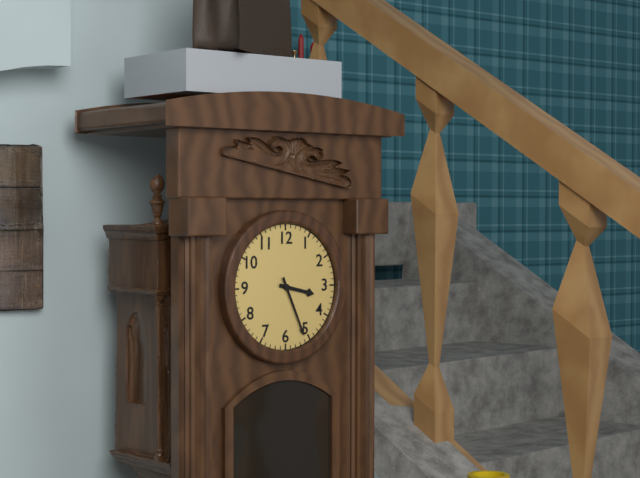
3,26
